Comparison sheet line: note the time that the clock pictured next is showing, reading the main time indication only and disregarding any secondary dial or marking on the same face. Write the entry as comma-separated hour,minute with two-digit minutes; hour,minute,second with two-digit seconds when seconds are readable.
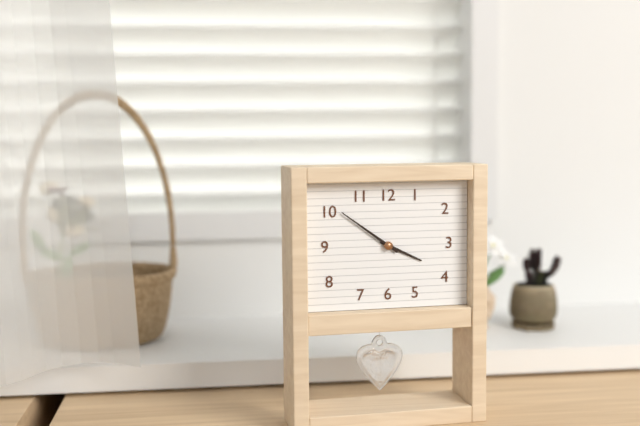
3,51
